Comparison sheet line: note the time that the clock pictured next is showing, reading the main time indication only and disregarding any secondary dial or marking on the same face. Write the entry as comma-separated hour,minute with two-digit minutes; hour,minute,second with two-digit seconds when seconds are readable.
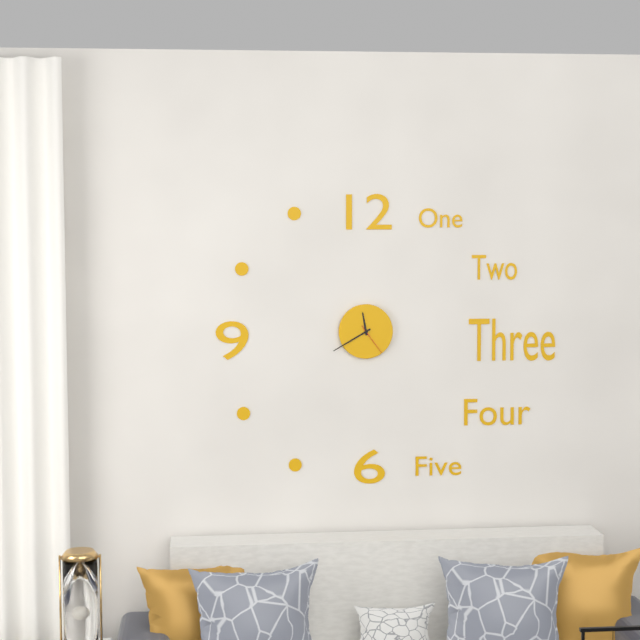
11,40
